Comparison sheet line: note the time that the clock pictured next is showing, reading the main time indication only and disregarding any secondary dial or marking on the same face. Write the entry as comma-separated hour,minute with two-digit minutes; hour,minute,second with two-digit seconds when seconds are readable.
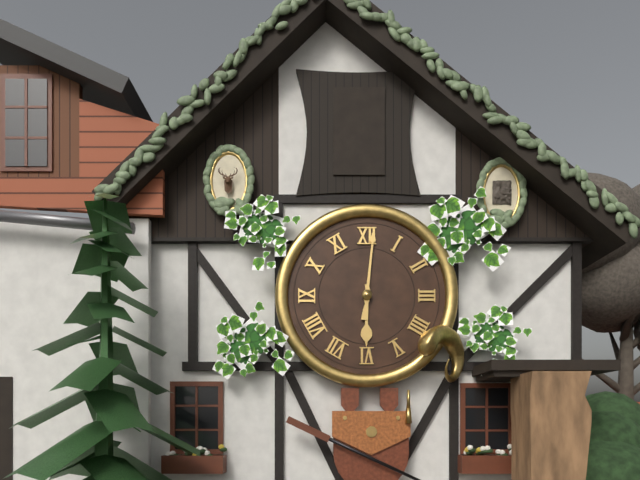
6,01
